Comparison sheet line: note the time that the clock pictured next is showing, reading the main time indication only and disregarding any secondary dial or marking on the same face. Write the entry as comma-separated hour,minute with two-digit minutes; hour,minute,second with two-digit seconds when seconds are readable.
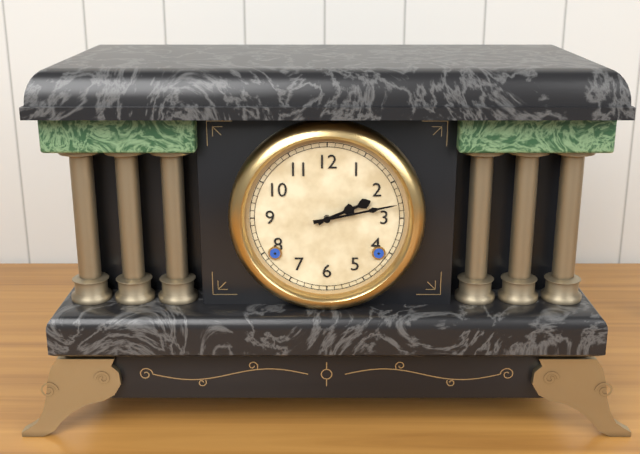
2,13
